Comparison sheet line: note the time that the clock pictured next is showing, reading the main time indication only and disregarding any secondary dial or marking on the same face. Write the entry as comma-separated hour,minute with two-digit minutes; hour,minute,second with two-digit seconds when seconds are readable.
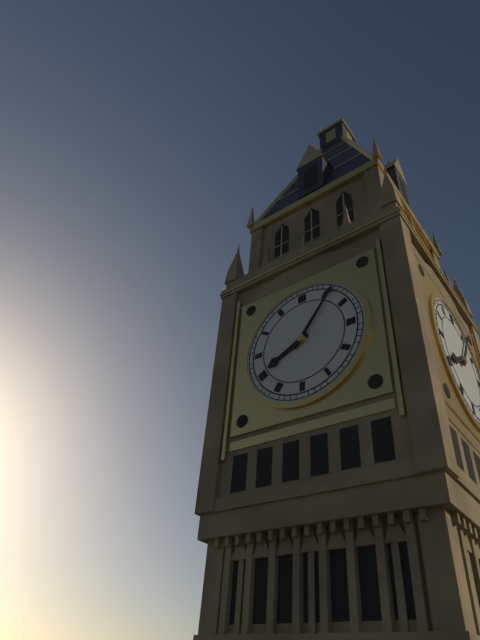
8,06
